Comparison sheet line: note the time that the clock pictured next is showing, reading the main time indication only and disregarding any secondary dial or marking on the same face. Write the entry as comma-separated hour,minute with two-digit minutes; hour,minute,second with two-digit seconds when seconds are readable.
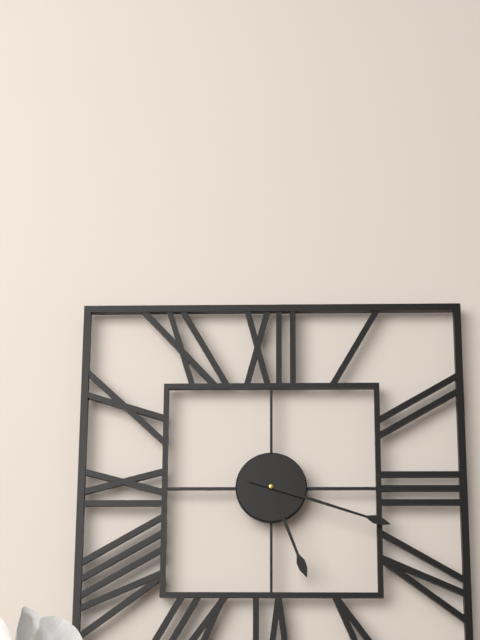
5,18
